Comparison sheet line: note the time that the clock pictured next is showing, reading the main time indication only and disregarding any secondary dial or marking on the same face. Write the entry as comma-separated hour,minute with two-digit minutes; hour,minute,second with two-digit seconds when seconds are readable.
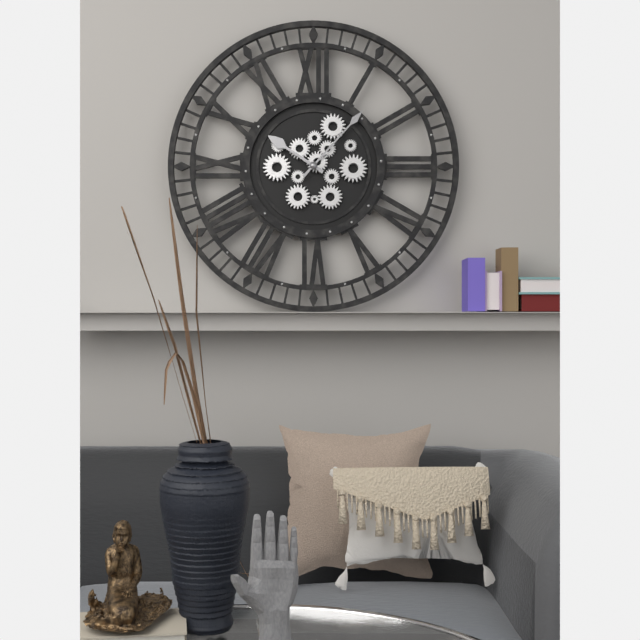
10,07
